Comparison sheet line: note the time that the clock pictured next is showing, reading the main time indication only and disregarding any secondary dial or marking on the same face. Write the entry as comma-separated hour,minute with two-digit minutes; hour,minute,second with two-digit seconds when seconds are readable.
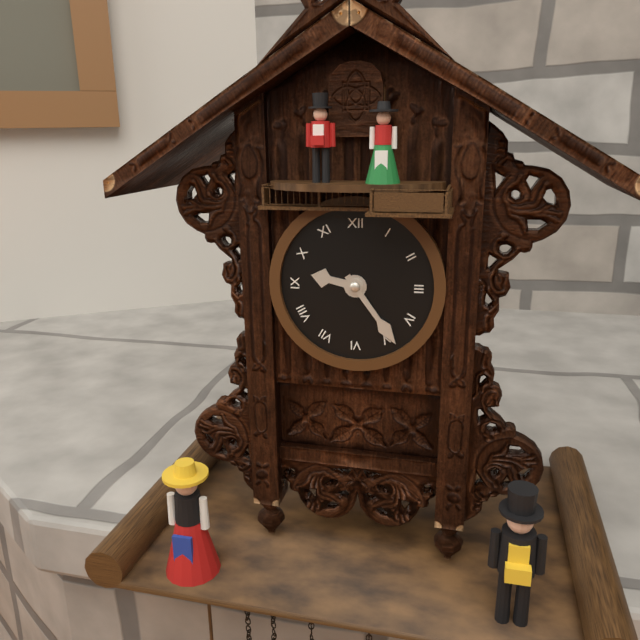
9,24
